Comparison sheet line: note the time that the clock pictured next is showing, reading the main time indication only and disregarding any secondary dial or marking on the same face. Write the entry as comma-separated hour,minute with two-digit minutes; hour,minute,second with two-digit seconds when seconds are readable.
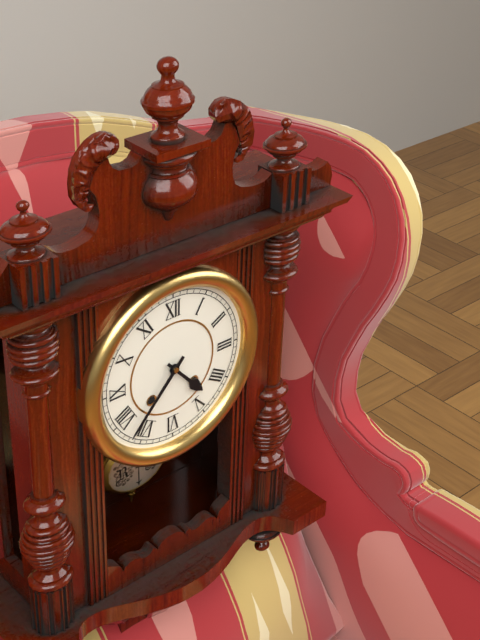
4,37
